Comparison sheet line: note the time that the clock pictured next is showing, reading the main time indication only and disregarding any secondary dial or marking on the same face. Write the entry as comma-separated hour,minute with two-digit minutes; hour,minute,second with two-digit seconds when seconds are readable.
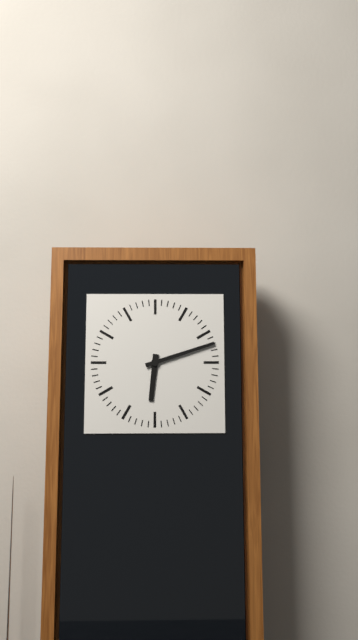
6,12
